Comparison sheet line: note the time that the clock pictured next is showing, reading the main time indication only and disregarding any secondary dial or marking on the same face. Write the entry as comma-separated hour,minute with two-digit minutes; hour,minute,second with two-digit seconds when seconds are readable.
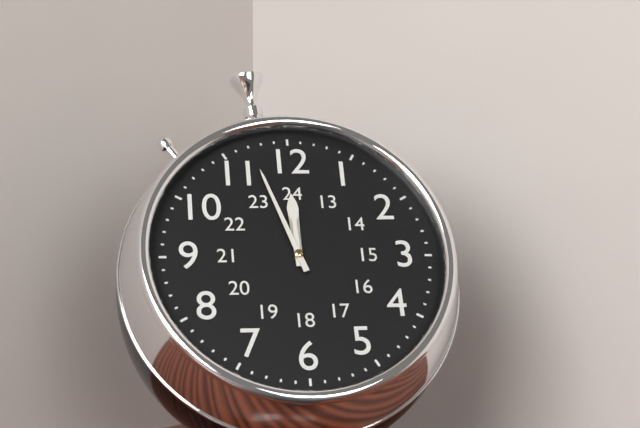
11,57
